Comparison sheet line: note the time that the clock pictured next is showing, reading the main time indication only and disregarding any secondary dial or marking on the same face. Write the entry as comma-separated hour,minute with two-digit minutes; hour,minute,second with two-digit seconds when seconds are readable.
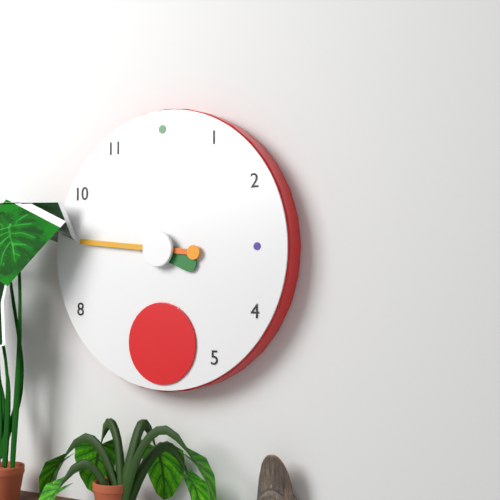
3,46
